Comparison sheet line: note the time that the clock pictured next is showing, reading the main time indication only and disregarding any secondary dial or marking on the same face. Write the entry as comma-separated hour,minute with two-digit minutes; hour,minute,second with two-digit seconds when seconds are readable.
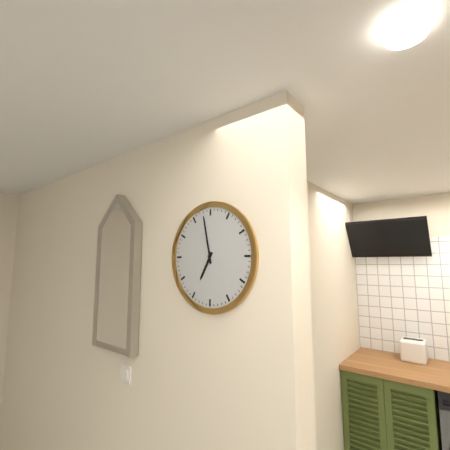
6,58
